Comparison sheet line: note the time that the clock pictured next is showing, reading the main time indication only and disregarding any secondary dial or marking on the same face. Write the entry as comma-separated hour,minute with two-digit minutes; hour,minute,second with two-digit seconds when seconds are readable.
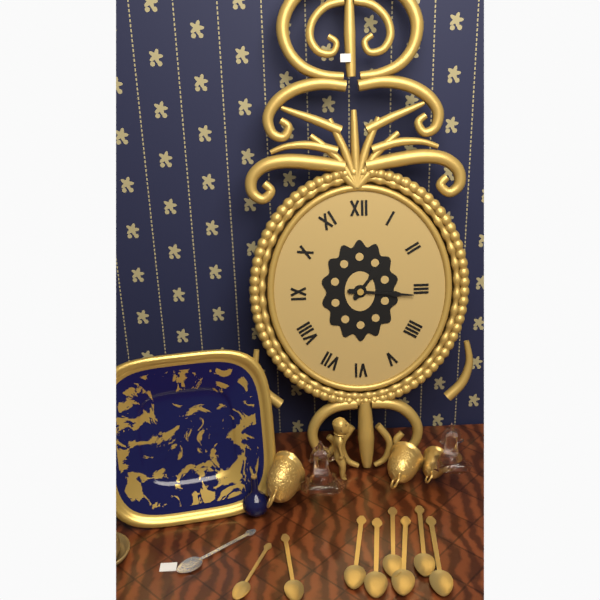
1,16
